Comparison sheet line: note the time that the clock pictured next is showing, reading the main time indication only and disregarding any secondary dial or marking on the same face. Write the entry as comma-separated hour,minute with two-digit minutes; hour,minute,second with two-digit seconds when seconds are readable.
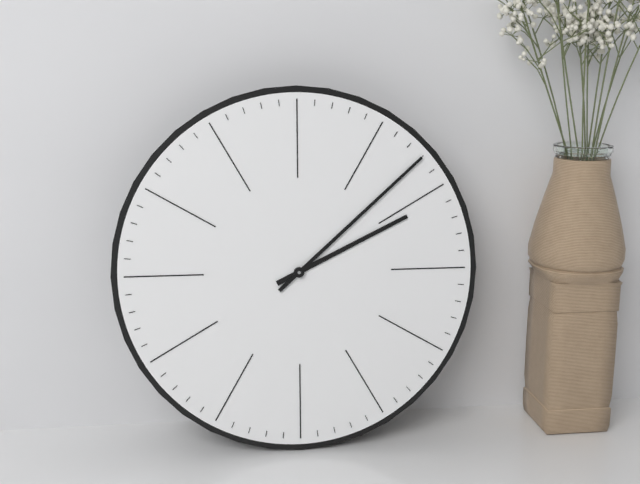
2,08
